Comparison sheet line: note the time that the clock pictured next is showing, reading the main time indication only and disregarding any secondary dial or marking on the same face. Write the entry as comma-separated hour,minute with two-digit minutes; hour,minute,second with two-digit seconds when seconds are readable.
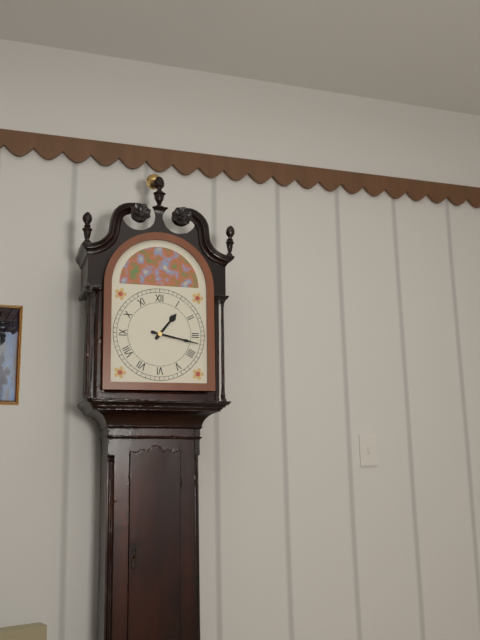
1,17
